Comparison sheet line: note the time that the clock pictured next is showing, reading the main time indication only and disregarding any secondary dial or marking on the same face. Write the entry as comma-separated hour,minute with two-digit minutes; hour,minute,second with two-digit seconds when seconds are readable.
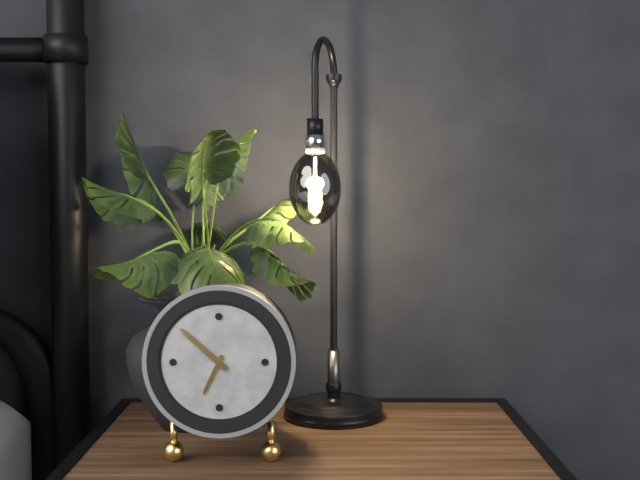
6,52
